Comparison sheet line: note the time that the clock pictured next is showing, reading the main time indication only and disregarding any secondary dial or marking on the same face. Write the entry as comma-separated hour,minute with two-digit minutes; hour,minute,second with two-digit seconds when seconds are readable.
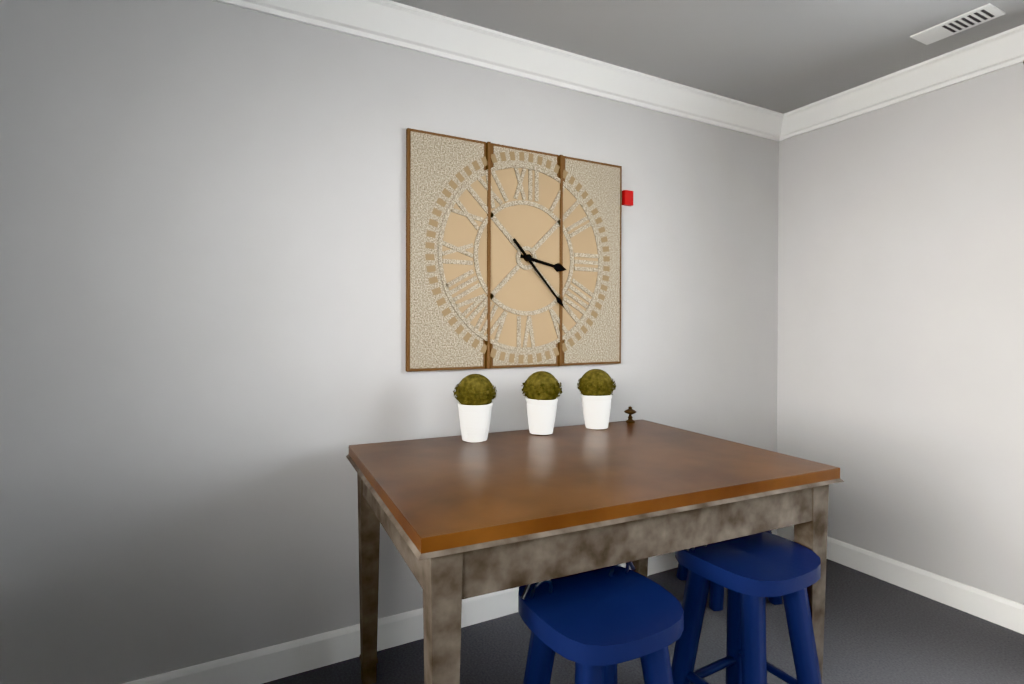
3,23
